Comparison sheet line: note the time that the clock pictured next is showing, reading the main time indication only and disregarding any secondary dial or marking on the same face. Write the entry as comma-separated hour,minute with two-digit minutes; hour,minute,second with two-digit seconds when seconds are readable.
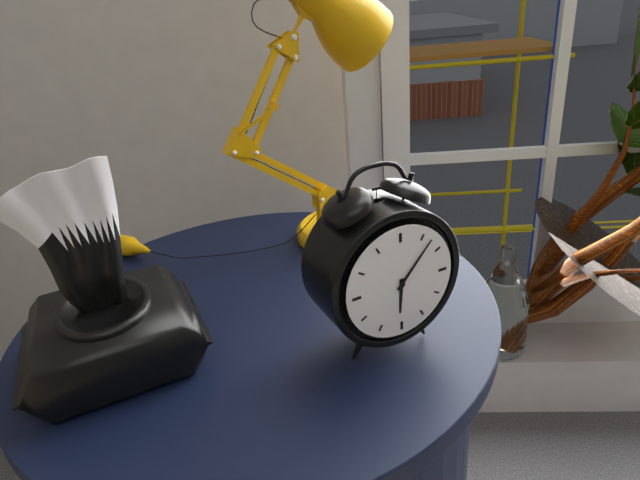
6,07
